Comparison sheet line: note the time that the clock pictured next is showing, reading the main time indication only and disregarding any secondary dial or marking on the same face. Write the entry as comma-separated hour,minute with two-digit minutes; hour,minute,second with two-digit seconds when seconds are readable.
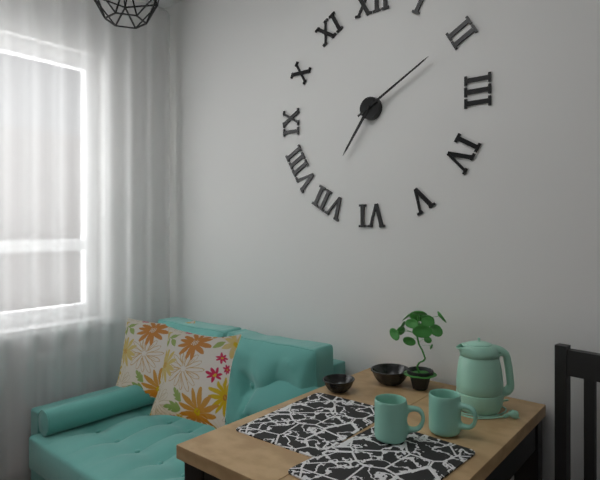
7,10
